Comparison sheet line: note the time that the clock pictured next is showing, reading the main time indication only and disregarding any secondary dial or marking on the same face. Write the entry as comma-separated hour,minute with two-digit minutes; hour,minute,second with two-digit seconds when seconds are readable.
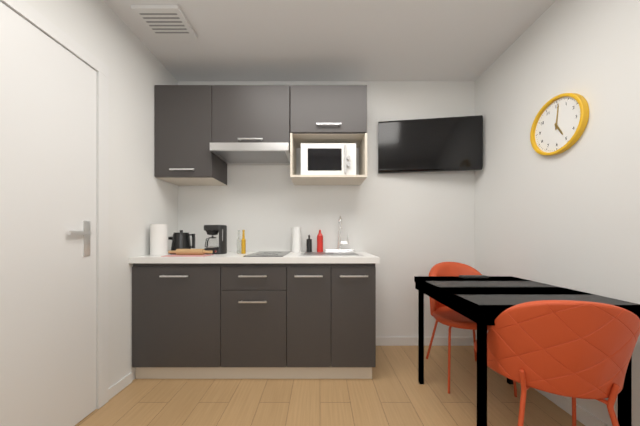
5,01
